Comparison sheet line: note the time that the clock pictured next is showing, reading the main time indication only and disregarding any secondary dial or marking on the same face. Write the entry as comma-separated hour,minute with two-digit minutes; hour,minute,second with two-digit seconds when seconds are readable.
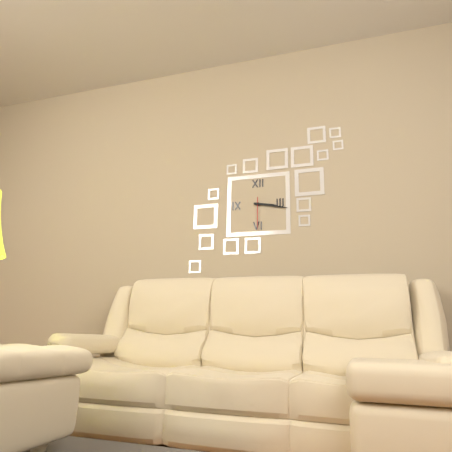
3,17
